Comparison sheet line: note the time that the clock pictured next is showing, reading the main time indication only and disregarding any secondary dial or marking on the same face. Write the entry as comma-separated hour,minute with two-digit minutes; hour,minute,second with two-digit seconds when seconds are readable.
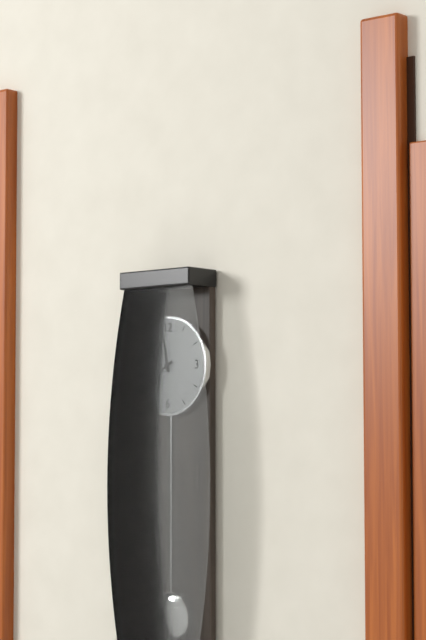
11,40
